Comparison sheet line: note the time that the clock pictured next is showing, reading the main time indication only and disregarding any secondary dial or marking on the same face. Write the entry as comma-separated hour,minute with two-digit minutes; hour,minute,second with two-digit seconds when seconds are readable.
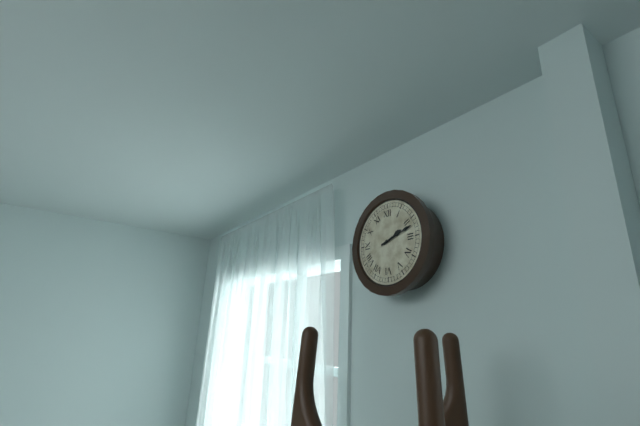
2,12
